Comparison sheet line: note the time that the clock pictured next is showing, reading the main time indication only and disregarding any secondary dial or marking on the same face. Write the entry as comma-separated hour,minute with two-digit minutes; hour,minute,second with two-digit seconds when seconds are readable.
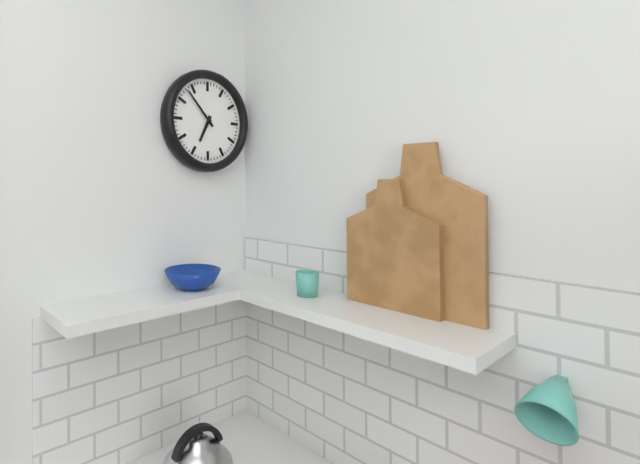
6,53
